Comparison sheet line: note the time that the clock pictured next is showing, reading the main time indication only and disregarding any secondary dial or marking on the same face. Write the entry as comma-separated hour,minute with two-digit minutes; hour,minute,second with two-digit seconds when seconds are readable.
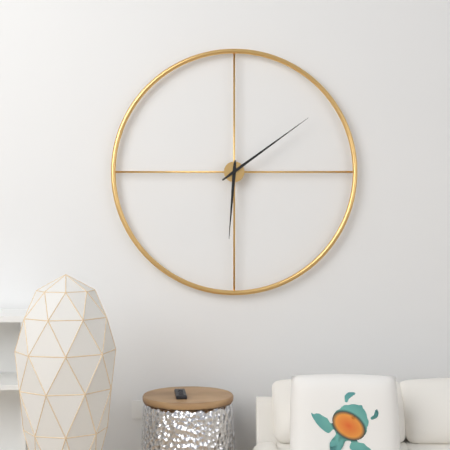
6,09
